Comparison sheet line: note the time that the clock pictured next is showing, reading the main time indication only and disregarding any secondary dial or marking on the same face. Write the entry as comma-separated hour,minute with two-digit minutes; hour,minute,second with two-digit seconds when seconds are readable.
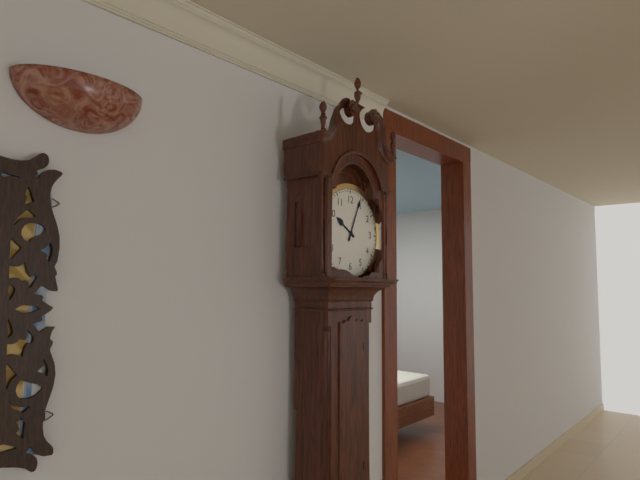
10,04
